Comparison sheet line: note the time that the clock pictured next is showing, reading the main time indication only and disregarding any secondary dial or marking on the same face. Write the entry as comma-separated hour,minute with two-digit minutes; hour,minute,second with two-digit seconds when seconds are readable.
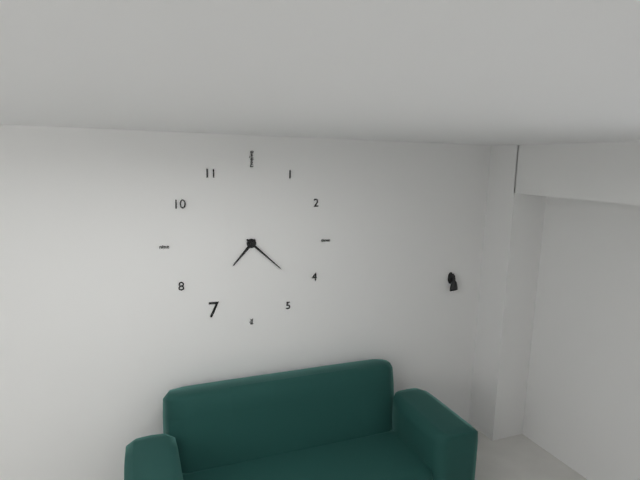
7,22
